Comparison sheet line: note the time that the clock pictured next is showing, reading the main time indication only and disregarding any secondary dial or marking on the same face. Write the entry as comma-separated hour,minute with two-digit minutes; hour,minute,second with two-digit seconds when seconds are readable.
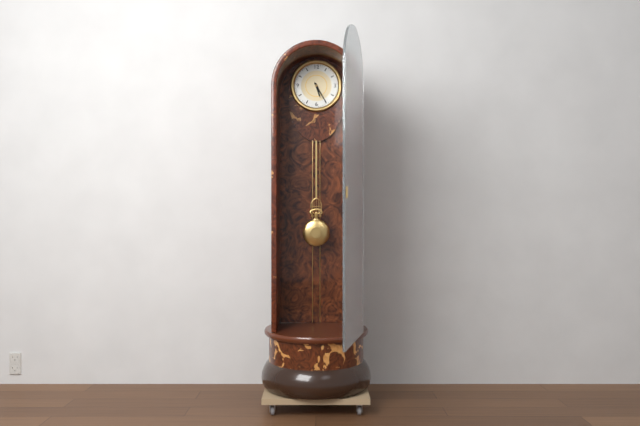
5,25
